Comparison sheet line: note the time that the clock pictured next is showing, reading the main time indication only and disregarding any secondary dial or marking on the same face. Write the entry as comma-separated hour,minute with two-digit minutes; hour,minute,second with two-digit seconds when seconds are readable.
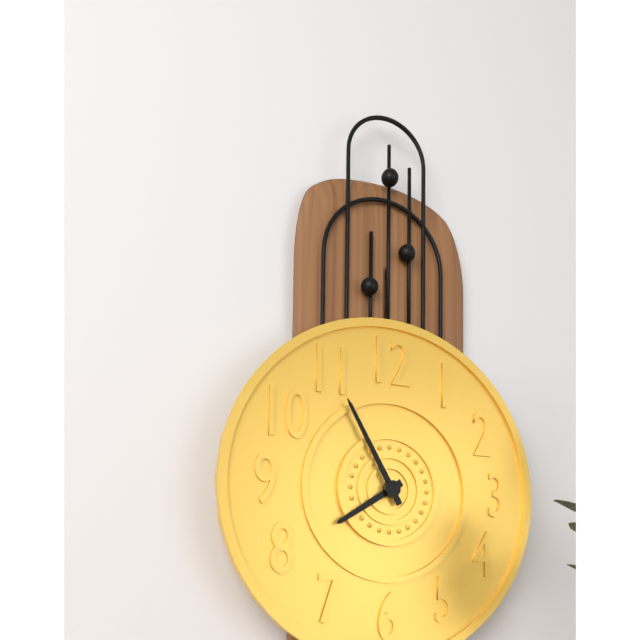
7,55
